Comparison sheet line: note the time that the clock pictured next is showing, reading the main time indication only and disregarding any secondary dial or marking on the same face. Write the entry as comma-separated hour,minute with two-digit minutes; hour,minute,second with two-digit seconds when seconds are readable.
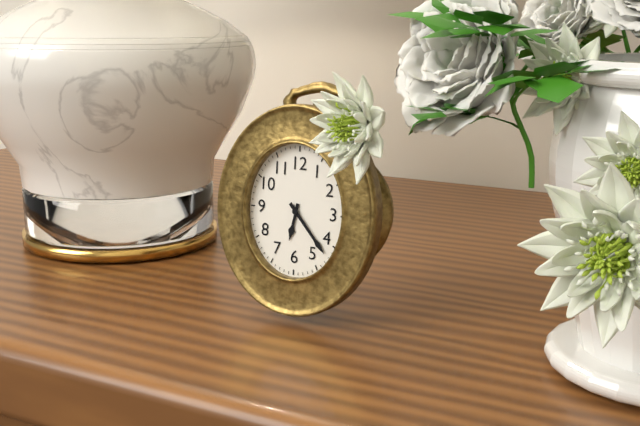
6,23
